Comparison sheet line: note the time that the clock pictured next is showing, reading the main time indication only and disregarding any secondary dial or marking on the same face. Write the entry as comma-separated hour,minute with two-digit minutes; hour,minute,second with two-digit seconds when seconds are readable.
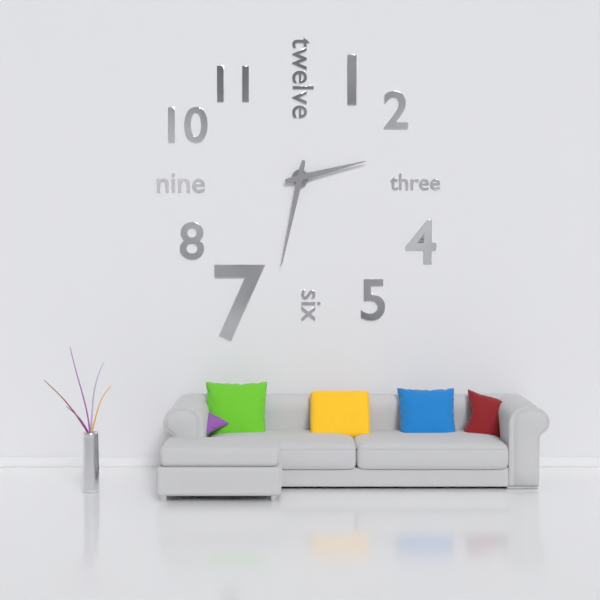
2,32
